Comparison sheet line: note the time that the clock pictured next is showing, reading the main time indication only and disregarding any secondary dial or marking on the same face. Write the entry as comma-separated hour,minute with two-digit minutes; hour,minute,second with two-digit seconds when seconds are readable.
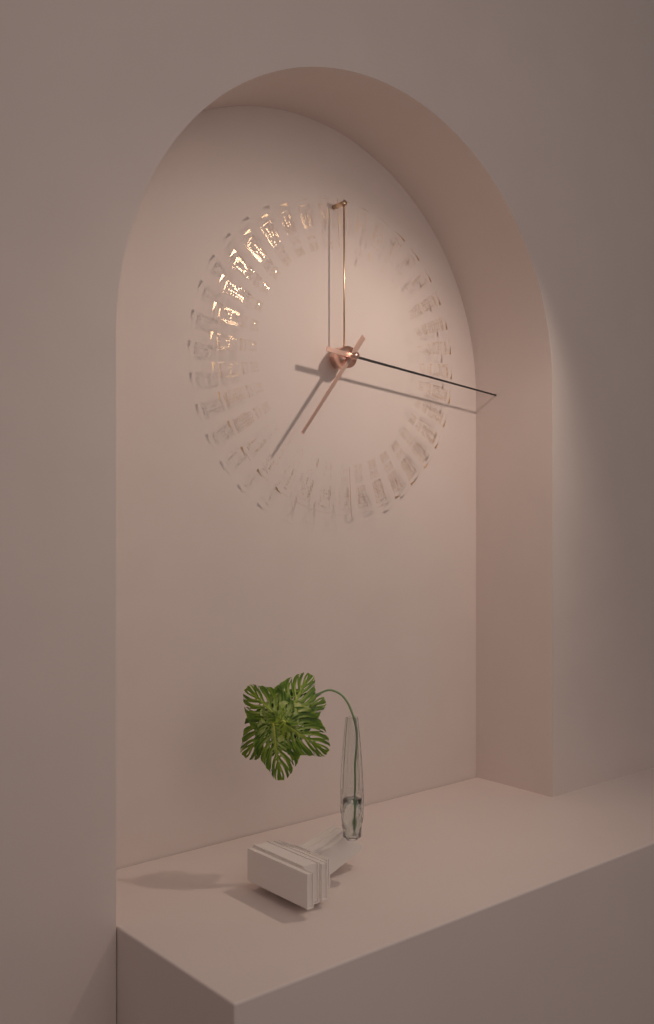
7,16
